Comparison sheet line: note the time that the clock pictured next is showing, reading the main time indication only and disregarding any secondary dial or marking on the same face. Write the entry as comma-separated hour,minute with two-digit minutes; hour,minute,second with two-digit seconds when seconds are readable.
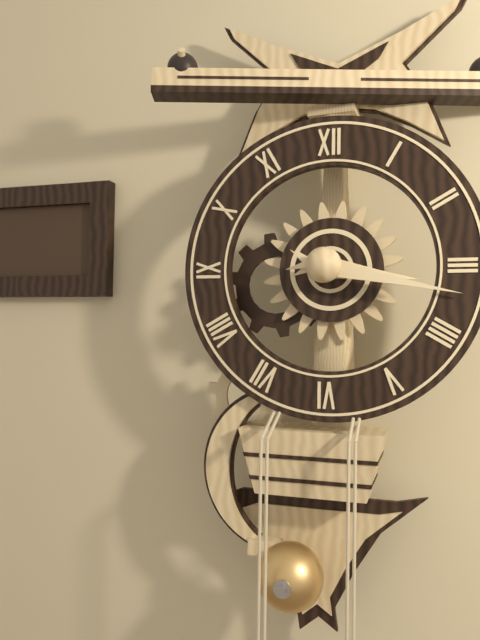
3,17
